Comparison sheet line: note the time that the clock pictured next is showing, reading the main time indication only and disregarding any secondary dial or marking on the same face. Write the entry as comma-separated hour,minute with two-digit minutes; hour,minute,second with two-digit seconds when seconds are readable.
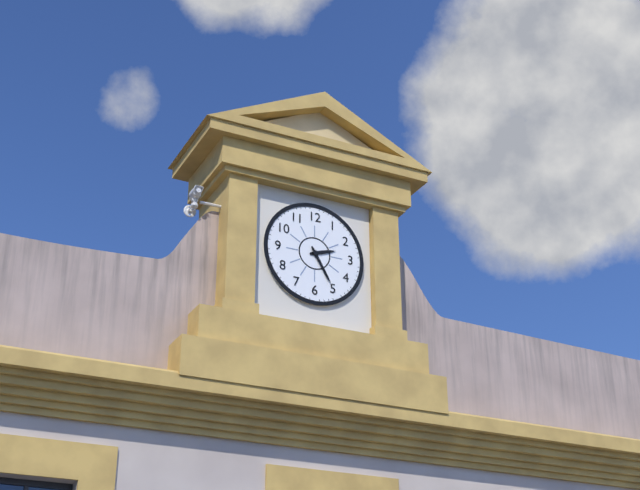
2,25
